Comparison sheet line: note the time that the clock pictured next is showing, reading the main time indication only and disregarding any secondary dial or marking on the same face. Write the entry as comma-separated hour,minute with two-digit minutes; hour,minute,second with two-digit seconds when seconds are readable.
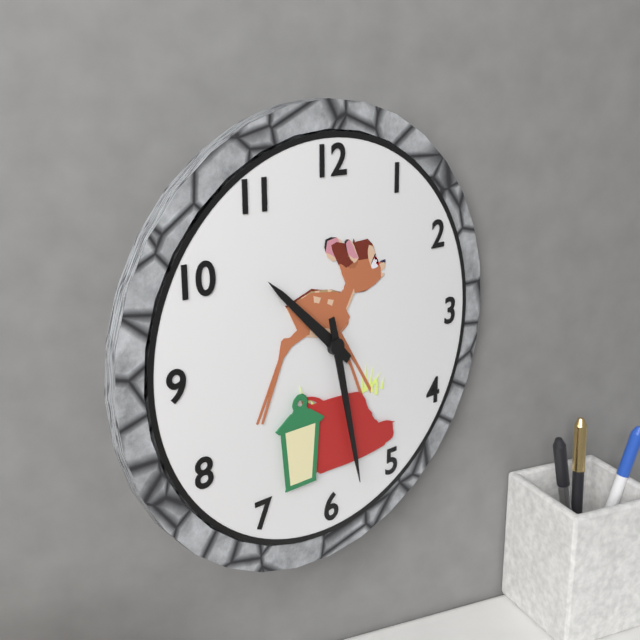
10,28
